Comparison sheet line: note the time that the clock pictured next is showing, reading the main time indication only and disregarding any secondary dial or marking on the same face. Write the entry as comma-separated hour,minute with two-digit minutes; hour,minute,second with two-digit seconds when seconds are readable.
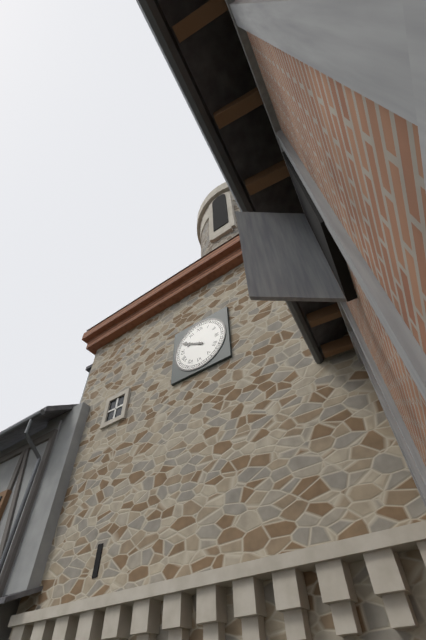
9,50
